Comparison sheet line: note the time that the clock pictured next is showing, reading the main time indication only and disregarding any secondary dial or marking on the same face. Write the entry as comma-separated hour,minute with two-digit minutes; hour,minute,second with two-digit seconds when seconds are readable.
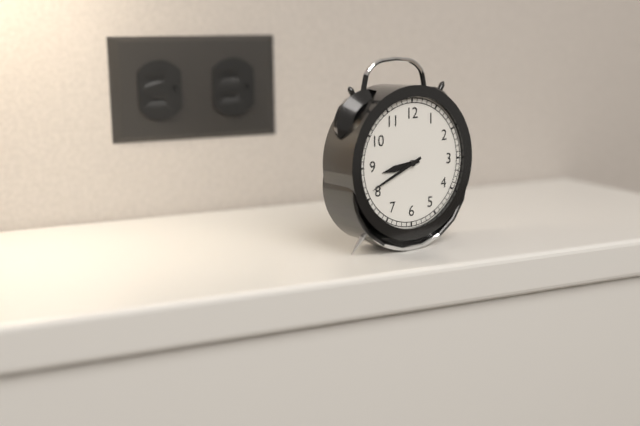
8,41
